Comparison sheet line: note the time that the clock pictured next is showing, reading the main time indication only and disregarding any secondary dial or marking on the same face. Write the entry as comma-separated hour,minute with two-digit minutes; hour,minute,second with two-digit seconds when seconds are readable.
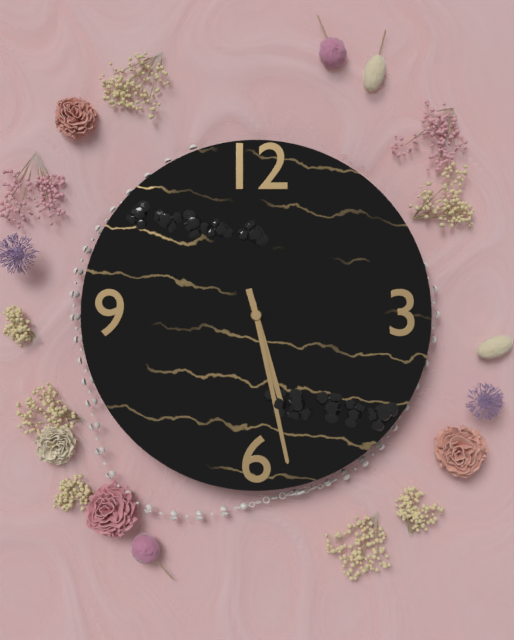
5,28
